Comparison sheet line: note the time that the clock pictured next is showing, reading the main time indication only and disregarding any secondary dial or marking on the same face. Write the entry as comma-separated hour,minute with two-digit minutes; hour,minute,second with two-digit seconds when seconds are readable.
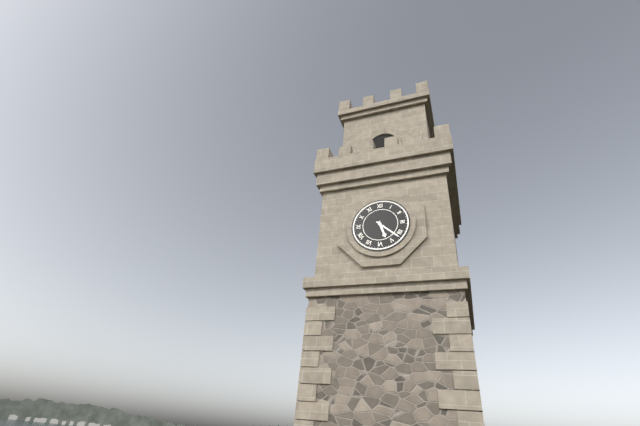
5,22
